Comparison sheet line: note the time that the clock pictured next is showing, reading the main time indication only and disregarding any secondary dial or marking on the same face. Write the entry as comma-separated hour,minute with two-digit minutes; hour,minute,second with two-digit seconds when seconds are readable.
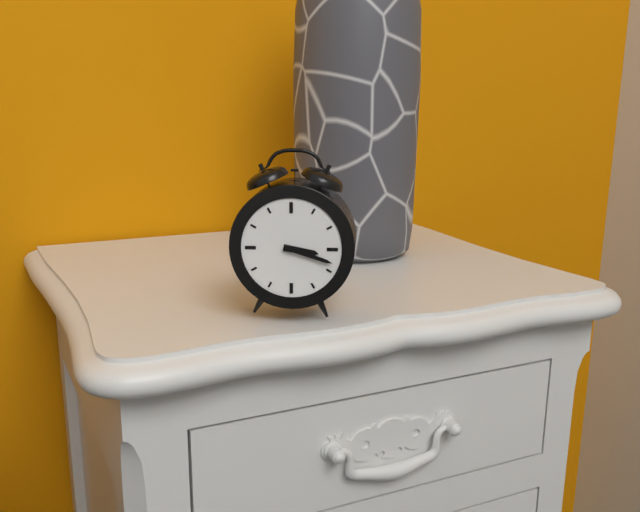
3,18
